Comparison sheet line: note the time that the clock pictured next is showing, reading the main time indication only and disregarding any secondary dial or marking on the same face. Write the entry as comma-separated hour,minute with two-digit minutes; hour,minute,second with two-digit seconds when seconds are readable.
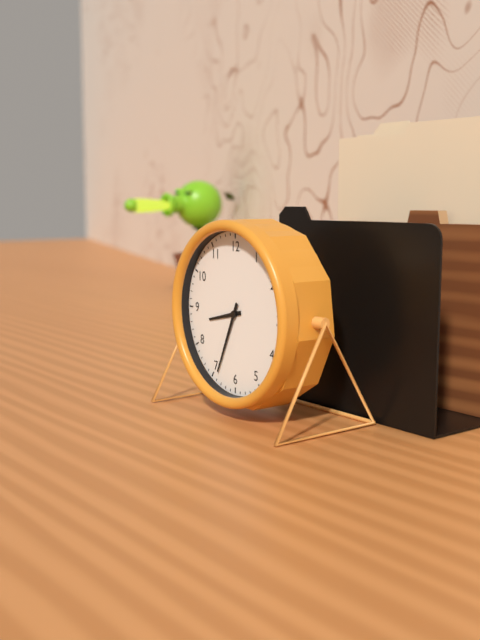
8,34
